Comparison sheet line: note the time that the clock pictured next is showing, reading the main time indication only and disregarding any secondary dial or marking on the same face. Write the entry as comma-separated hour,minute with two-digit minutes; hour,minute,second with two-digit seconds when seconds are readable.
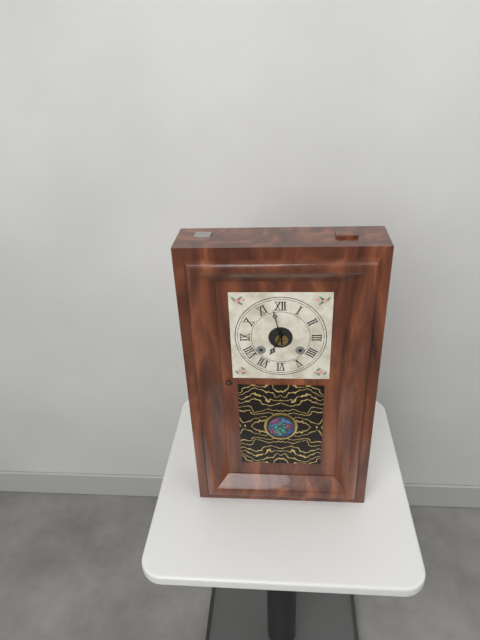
6,58
